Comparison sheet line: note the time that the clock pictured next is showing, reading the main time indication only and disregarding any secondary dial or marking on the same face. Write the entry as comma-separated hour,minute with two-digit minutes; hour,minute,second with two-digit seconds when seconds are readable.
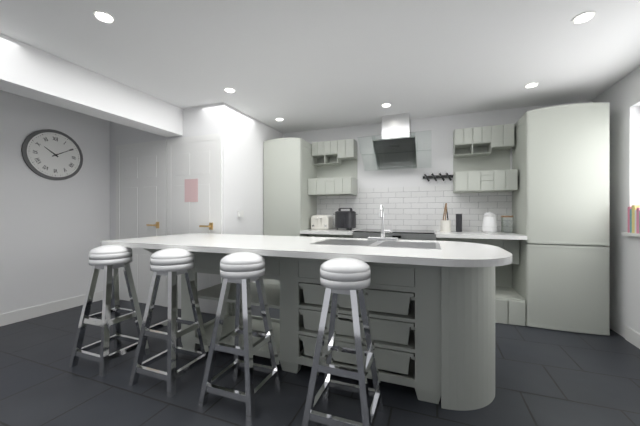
10,10
